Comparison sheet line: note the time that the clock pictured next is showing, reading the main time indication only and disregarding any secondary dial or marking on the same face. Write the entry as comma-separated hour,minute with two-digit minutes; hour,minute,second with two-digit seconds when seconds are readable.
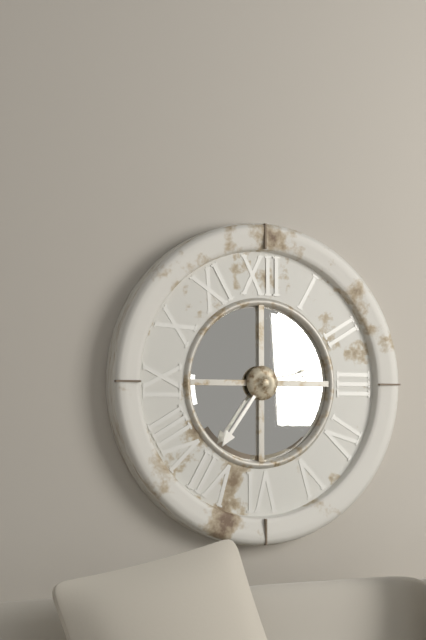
2,36
